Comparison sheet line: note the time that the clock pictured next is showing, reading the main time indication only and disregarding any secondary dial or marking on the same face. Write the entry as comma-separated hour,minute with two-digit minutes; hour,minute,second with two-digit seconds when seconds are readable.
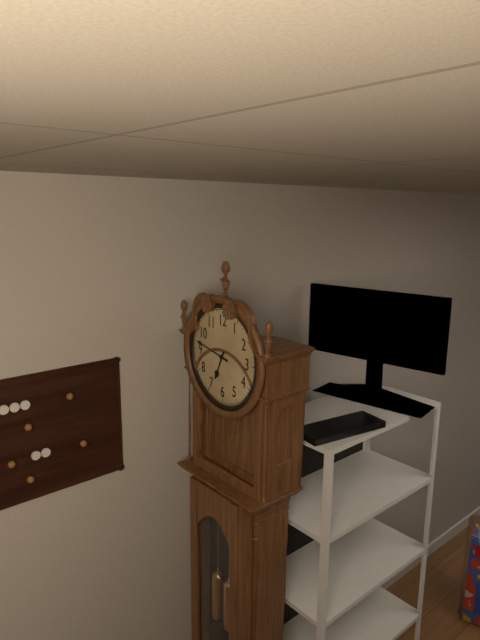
6,47
